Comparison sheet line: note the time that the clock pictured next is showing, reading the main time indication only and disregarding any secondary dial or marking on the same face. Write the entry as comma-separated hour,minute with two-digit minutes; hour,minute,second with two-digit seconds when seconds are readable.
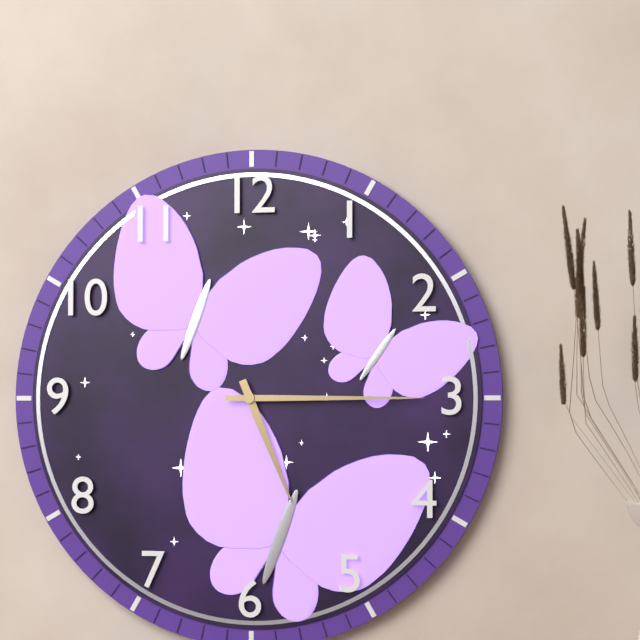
5,15
